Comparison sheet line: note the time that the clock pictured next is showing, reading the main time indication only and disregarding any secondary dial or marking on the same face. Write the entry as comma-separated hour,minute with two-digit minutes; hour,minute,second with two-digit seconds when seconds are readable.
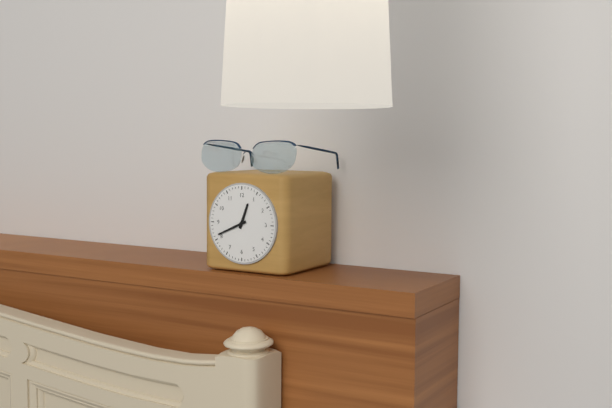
12,41
